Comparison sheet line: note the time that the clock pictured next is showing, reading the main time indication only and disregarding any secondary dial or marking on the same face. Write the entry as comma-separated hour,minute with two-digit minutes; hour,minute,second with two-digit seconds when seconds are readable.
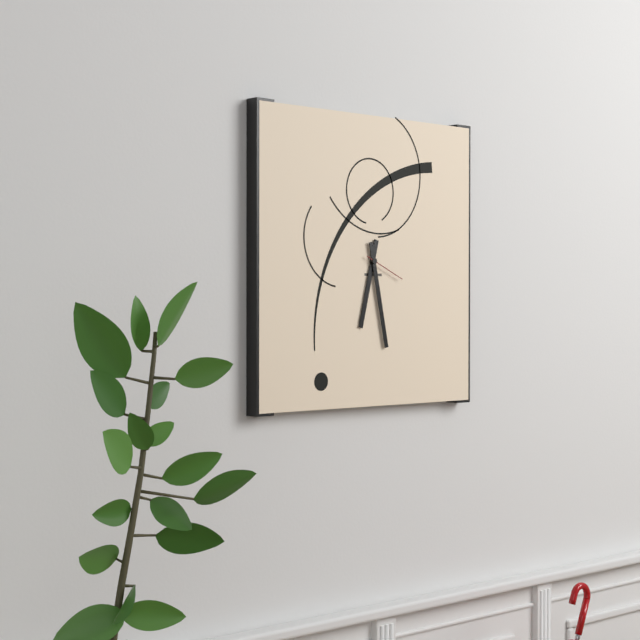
6,28
